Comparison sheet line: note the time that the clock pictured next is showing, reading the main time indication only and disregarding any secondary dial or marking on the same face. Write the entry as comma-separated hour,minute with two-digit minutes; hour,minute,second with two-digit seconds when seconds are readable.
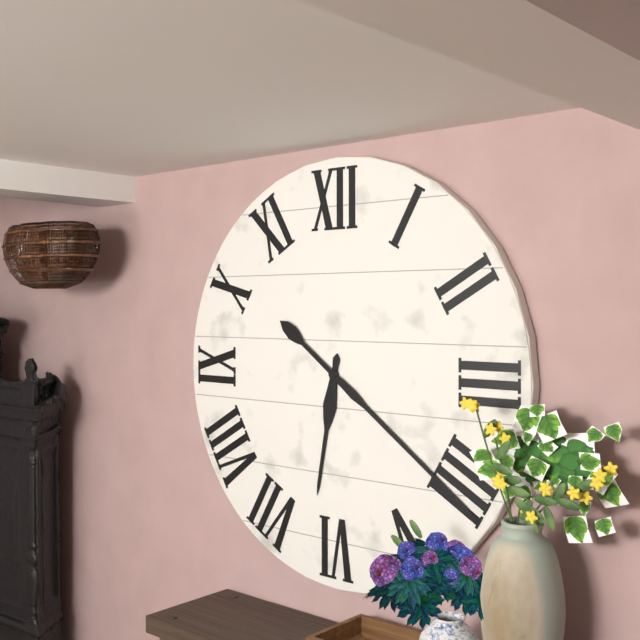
6,21
